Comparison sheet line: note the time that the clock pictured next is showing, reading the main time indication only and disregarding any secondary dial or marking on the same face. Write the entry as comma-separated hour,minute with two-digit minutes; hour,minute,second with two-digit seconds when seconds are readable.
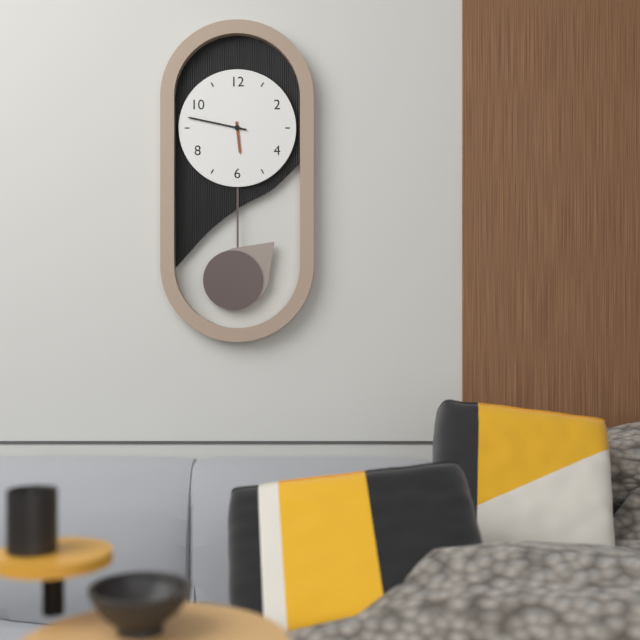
5,47
